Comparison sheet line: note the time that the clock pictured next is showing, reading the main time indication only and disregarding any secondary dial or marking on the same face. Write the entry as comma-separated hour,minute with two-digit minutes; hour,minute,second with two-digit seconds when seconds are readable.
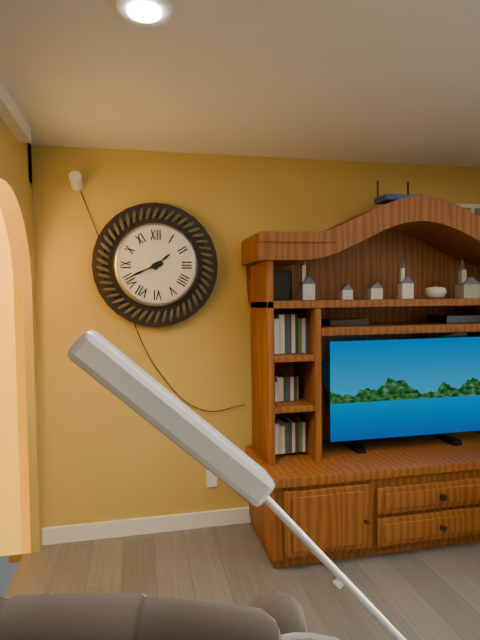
1,41
